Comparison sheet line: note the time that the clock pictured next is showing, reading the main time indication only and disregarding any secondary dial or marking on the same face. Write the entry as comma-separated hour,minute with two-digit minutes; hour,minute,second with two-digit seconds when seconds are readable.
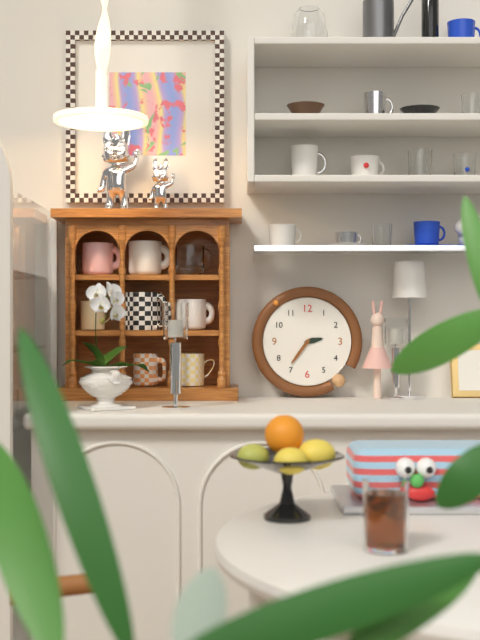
2,36
